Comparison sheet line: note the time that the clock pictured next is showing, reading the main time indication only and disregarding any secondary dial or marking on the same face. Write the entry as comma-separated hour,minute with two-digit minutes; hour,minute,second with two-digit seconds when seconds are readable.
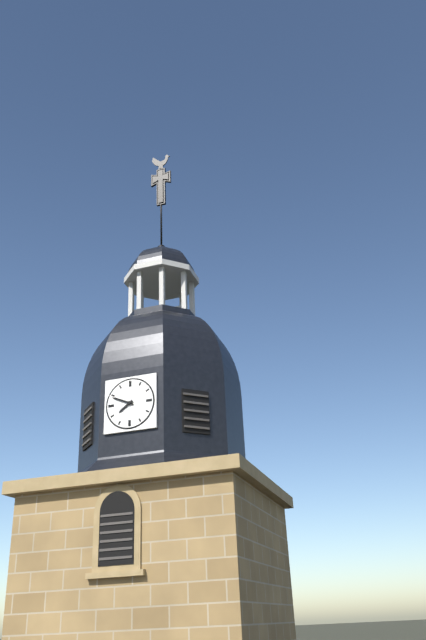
7,49
